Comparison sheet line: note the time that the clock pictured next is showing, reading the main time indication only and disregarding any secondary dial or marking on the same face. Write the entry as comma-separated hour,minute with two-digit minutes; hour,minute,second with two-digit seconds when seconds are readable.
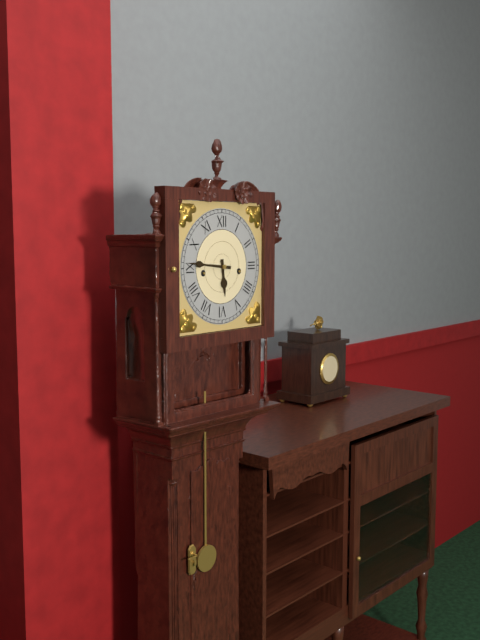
5,46
